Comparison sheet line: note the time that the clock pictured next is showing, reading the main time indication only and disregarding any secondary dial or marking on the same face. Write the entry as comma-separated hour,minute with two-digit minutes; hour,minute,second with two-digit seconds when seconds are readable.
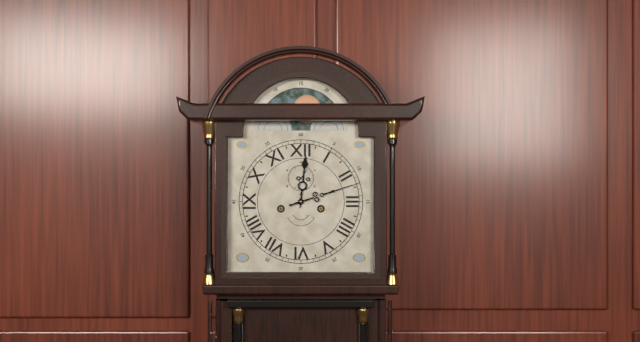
12,12
